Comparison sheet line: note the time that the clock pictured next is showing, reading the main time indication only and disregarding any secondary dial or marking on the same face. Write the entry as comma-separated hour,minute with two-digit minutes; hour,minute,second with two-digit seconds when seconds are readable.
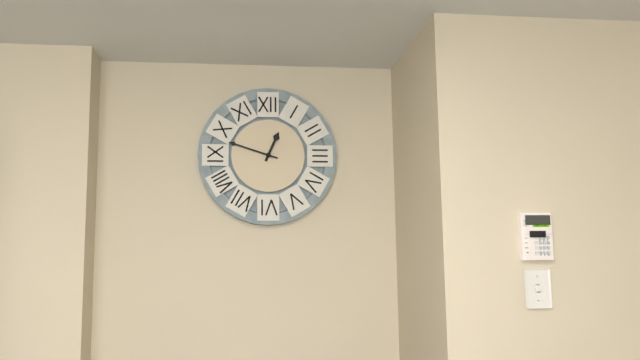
12,48
